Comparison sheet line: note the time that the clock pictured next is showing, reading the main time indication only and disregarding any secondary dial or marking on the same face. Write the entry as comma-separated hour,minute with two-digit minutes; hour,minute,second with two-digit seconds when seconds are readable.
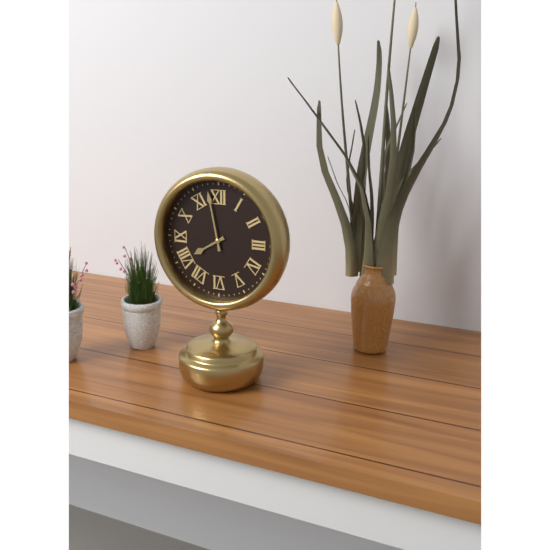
7,58
